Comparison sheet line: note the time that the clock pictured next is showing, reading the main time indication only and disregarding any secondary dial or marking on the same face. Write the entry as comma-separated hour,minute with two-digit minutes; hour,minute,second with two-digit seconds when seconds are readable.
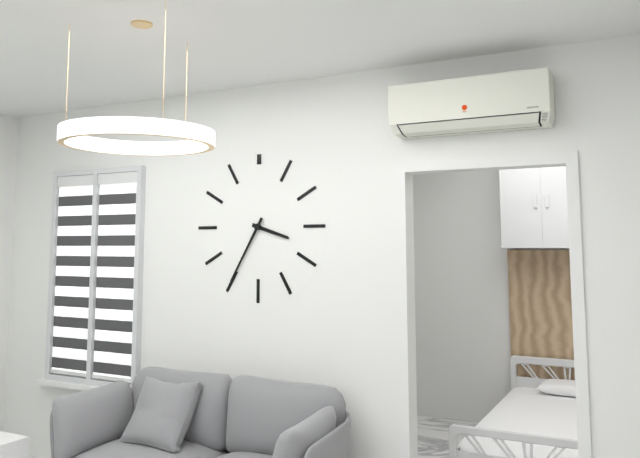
3,35
